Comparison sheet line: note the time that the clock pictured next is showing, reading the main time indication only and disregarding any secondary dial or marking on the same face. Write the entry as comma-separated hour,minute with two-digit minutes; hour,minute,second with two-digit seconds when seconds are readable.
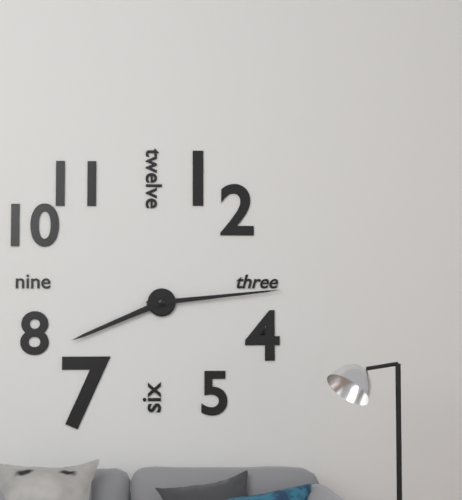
8,14
